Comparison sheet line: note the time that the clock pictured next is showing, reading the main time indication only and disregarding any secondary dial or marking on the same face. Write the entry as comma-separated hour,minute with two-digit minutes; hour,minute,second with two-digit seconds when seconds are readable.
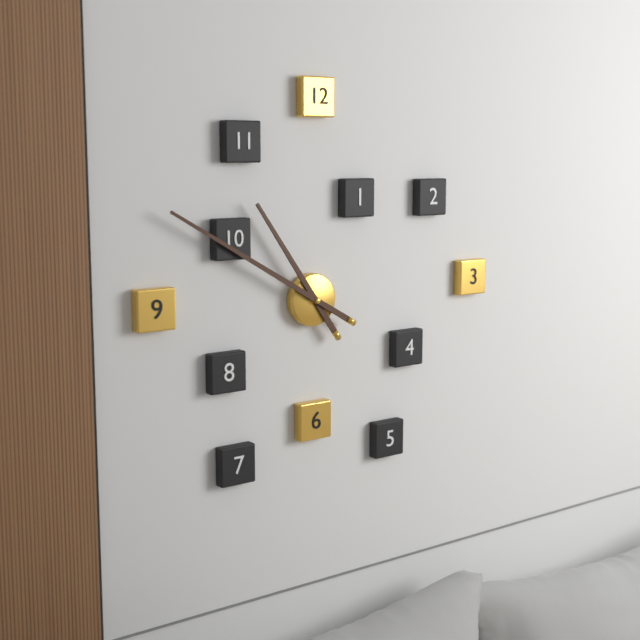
10,50
